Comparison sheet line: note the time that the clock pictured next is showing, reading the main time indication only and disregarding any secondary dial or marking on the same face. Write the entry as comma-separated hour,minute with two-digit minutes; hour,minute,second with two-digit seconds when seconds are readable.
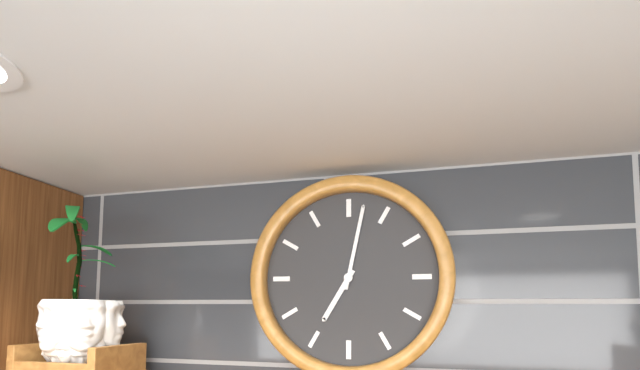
7,02
